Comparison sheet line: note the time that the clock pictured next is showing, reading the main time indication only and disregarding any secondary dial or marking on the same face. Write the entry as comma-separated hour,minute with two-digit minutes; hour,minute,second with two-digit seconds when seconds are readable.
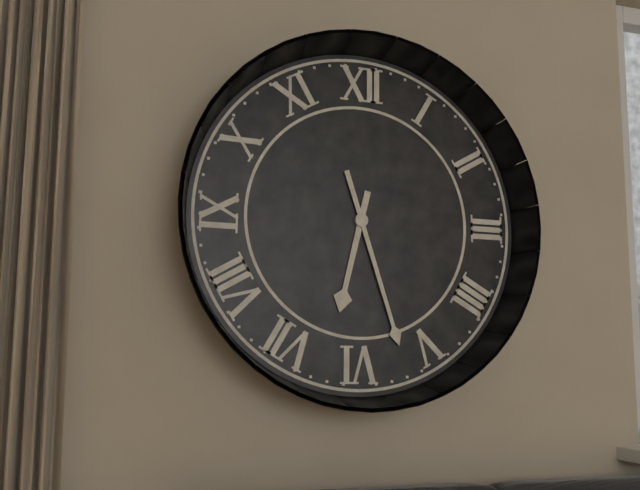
6,27
